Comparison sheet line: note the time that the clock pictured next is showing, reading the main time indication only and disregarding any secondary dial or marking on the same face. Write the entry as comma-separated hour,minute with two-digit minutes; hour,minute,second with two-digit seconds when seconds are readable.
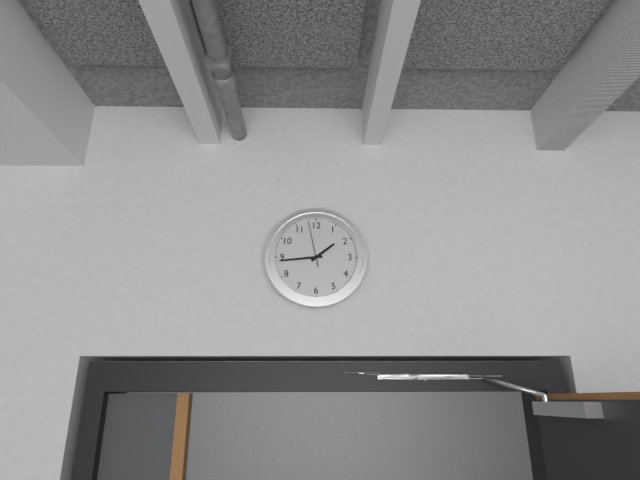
1,44
